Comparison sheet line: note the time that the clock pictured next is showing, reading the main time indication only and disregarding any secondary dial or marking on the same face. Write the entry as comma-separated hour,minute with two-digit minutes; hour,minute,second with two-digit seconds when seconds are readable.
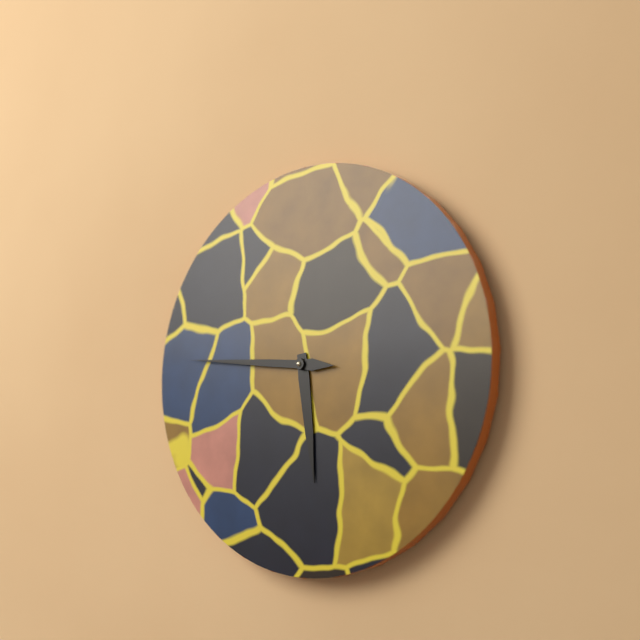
5,46
